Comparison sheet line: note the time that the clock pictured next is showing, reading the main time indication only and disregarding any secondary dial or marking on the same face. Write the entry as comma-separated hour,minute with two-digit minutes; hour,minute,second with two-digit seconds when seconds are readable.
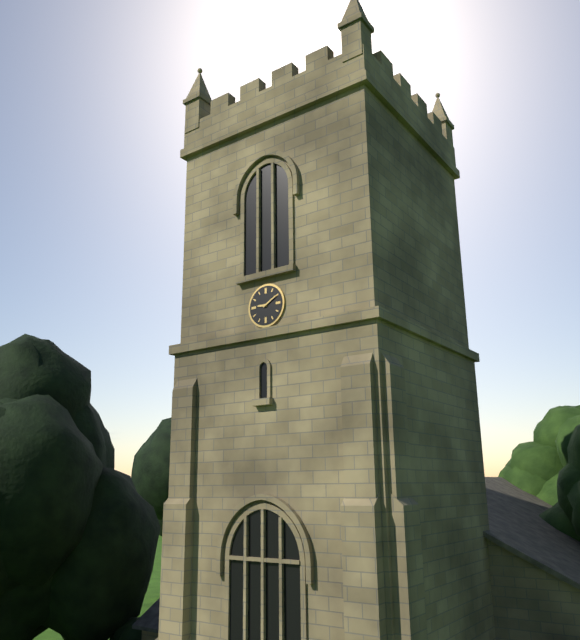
9,10
